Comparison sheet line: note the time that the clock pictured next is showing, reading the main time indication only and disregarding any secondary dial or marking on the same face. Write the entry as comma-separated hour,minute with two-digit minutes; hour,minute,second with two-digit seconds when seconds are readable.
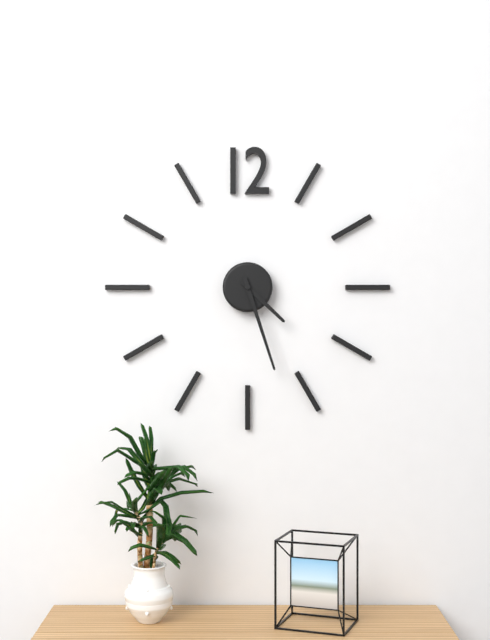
4,27
